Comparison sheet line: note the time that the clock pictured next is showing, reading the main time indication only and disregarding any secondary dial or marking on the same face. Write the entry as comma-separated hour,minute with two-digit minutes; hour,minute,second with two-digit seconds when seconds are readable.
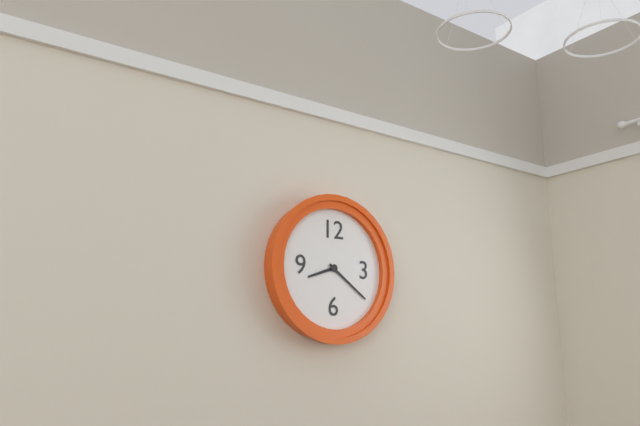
8,21
